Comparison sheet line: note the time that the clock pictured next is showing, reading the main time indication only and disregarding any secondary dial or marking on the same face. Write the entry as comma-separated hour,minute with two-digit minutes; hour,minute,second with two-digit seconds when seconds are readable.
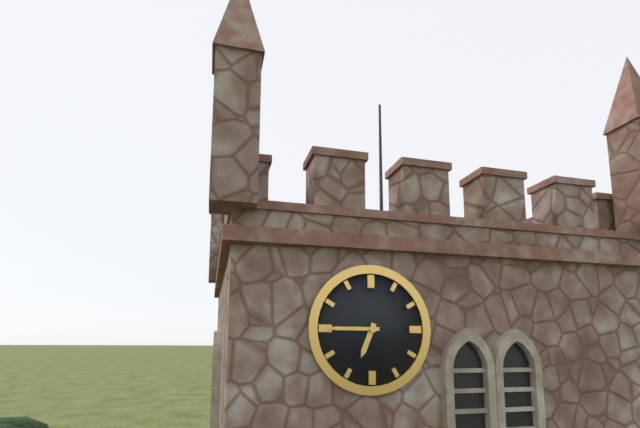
6,45
